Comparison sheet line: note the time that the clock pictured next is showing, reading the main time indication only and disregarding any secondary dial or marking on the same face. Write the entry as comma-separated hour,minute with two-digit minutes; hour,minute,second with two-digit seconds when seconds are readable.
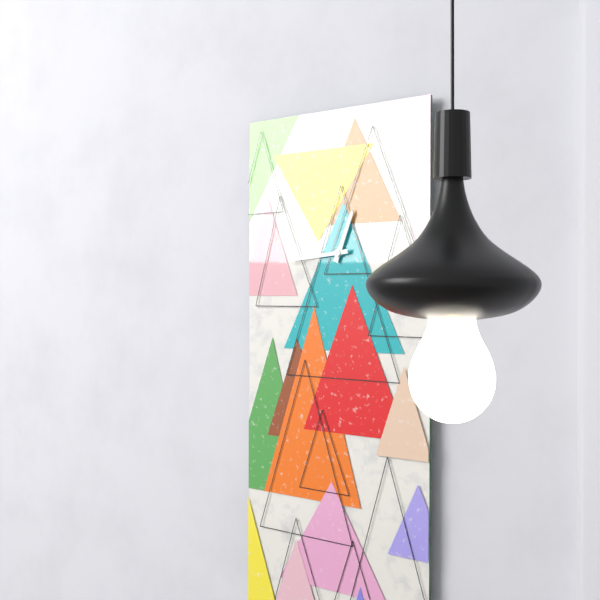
12,44
